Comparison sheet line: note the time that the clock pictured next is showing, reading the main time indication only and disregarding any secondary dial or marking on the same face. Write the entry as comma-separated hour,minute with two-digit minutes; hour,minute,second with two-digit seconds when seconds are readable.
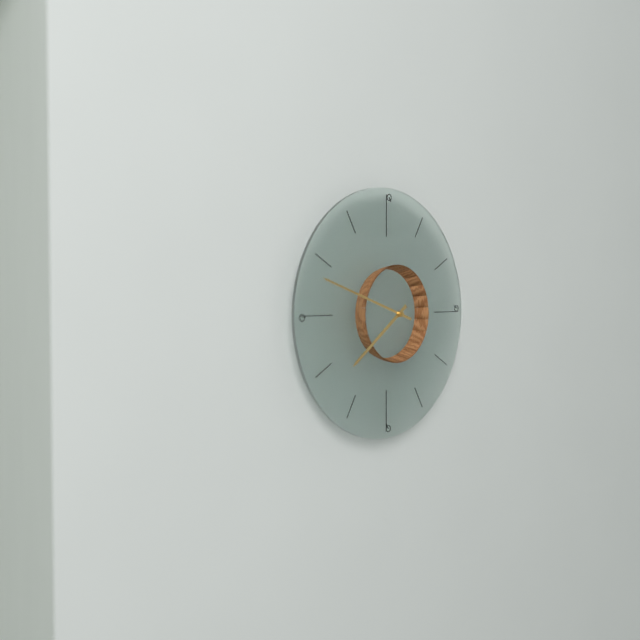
7,48
